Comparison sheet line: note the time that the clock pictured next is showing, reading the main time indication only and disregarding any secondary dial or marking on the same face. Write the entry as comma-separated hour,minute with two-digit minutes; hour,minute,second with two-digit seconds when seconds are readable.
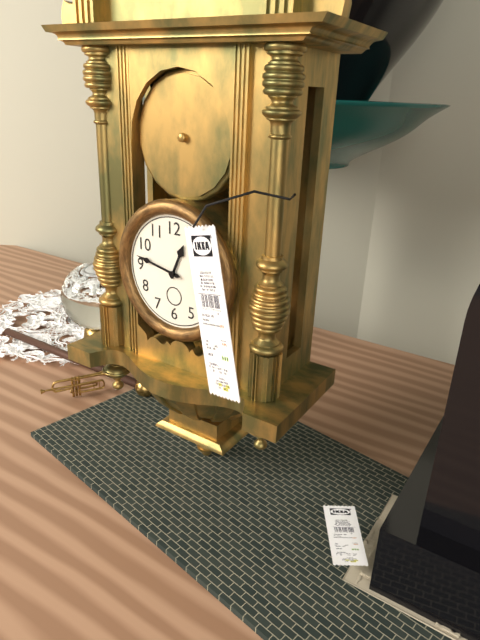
12,47
